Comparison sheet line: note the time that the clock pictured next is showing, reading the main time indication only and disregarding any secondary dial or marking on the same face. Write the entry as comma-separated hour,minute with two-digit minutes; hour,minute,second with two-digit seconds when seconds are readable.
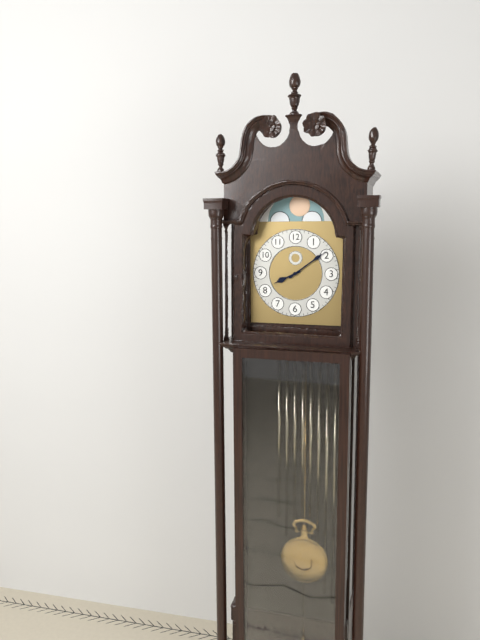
8,09
